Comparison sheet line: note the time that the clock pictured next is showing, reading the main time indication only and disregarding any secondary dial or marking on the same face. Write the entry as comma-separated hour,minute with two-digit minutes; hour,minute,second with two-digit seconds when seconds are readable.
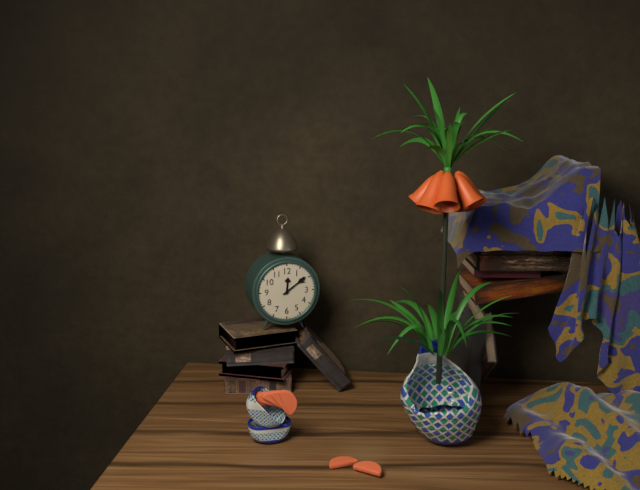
12,09
